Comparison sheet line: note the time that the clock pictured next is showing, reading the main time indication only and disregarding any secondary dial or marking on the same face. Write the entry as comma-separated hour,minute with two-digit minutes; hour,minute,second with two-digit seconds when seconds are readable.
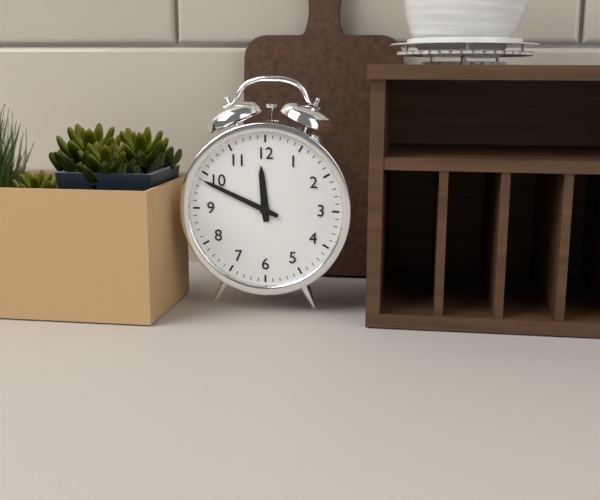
11,49
